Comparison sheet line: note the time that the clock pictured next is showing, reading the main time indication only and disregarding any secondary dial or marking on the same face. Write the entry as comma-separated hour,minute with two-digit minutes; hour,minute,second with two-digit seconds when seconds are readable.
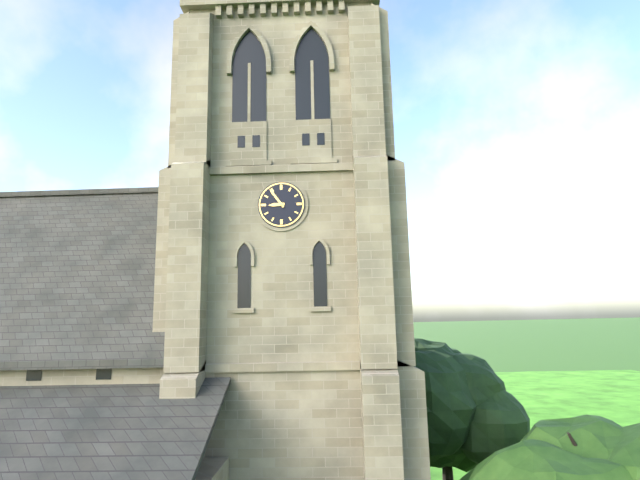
8,54
